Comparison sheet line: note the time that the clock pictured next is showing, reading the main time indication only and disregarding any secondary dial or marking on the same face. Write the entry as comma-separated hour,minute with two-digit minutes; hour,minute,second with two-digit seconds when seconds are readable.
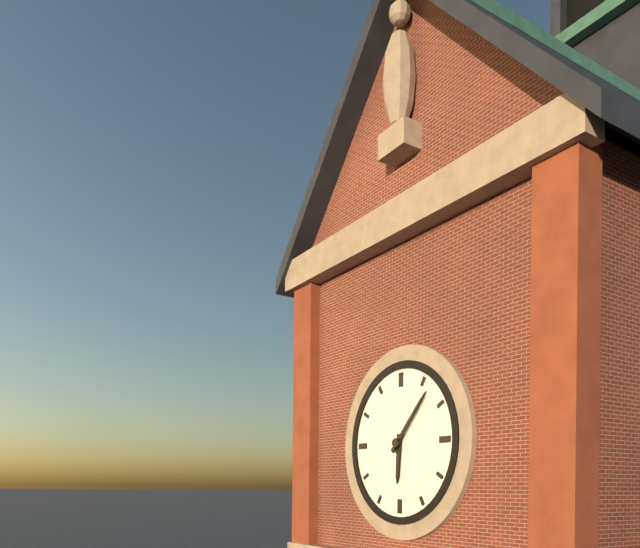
6,07
